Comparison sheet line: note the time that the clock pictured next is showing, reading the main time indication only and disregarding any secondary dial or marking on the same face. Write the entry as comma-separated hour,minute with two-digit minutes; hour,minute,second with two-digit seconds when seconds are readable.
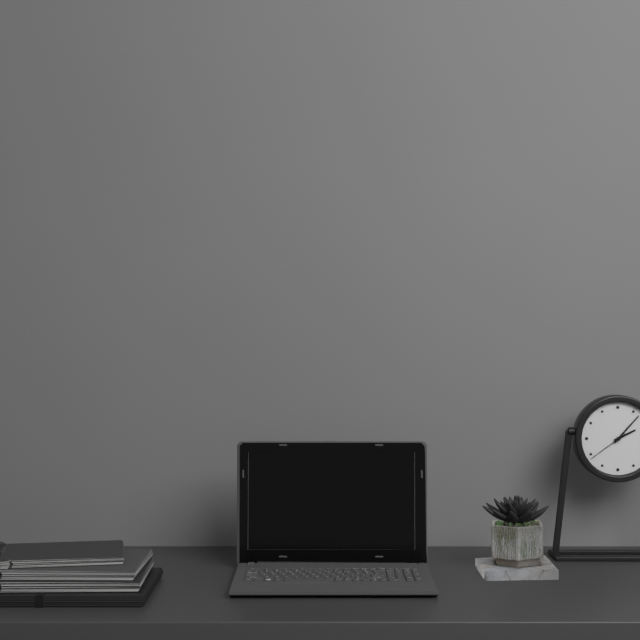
2,07
